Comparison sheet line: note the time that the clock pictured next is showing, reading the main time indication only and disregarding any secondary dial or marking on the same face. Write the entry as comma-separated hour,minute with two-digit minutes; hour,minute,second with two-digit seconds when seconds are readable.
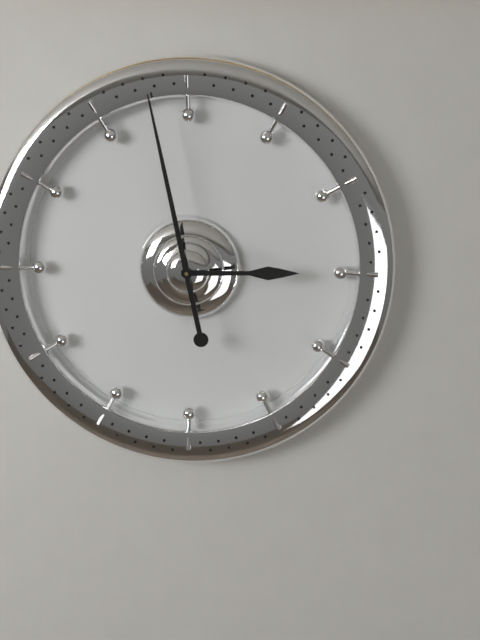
2,58
